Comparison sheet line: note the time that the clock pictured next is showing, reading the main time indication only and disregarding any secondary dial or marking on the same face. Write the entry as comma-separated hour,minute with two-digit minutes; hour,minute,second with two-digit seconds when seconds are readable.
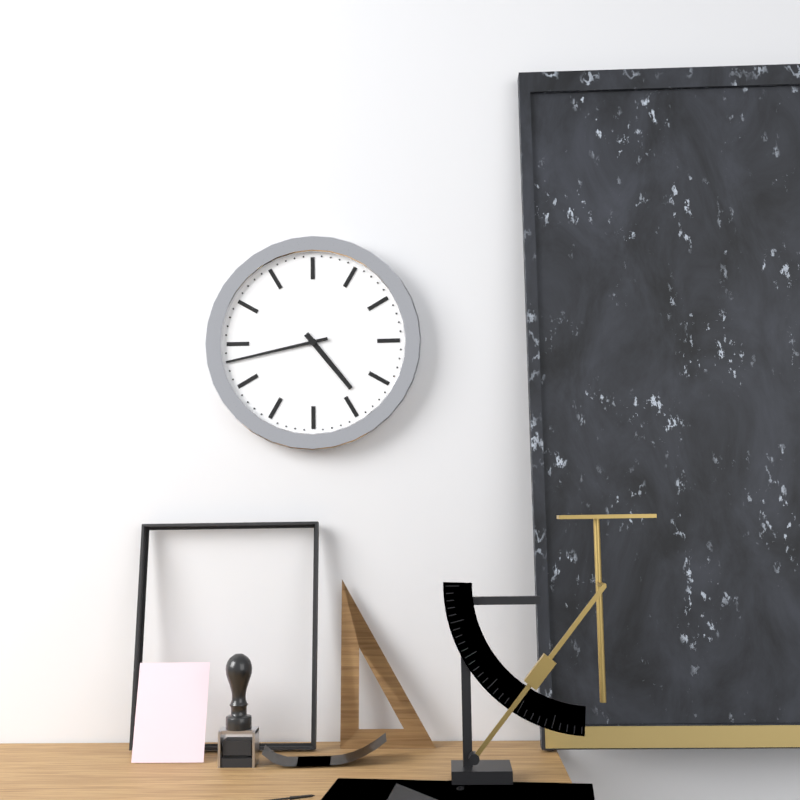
4,43
